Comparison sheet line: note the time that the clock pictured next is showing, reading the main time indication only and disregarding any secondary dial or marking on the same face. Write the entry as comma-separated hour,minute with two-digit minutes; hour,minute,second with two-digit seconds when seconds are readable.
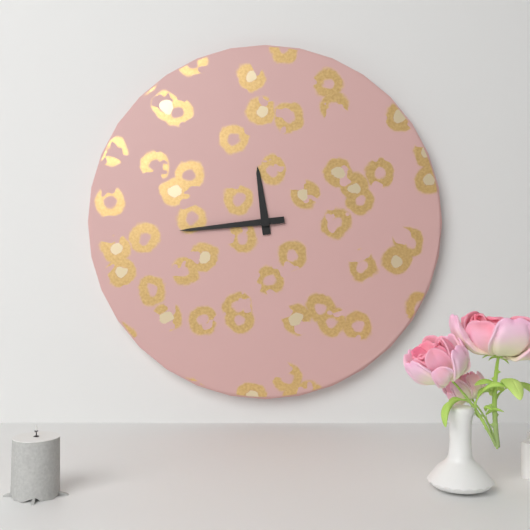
11,44
